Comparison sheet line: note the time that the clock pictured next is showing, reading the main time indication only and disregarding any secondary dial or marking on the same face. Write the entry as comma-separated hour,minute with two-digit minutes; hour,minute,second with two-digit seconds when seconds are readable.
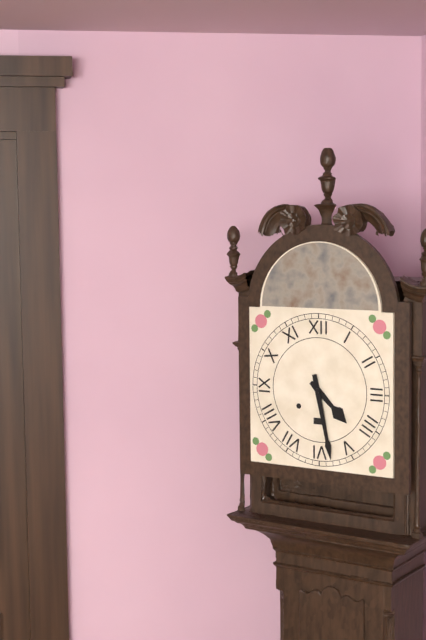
4,28
